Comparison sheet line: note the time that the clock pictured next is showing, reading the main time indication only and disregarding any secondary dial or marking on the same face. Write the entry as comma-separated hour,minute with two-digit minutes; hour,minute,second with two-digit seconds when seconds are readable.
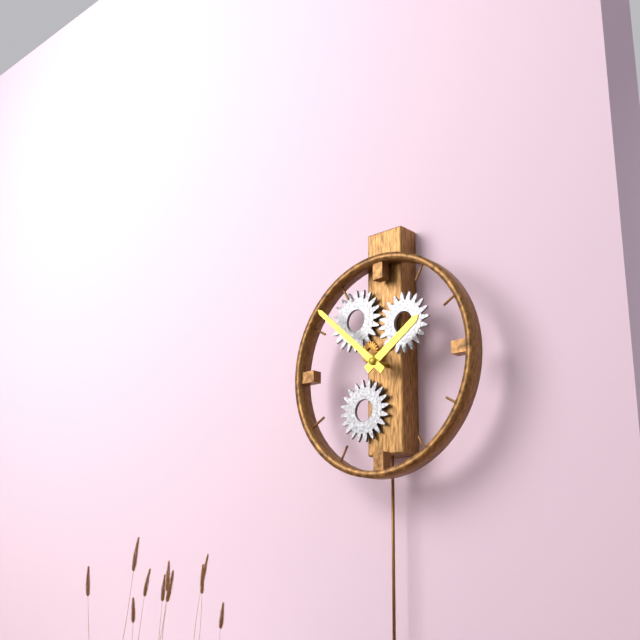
1,52
